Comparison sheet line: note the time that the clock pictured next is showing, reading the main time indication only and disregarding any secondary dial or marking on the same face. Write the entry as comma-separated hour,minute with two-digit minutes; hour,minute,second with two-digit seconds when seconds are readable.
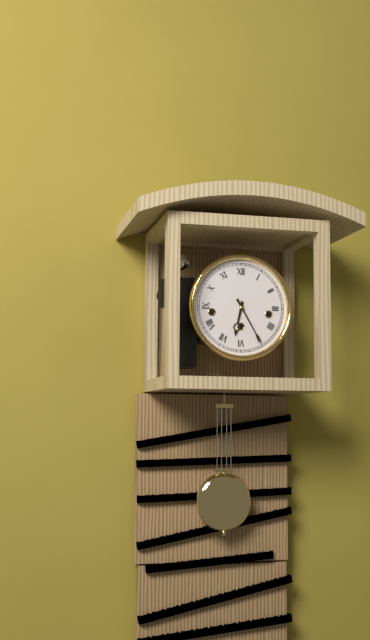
6,25
